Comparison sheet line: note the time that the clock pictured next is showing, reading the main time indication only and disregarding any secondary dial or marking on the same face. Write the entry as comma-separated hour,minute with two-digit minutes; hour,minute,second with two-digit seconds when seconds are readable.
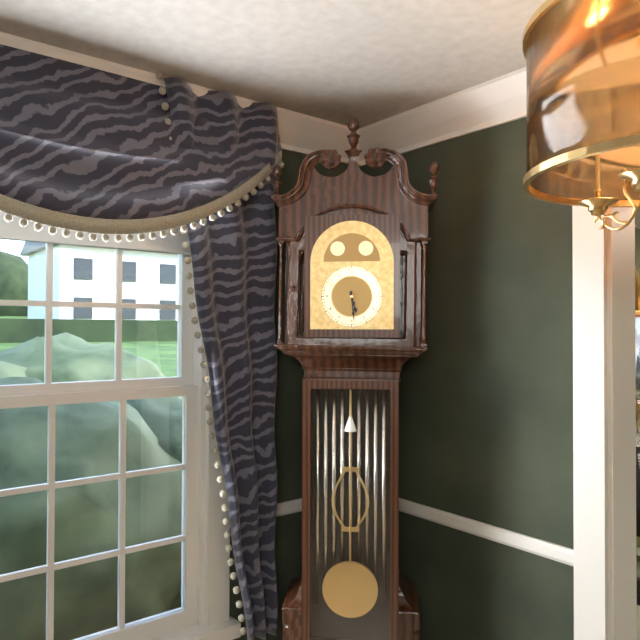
5,29
